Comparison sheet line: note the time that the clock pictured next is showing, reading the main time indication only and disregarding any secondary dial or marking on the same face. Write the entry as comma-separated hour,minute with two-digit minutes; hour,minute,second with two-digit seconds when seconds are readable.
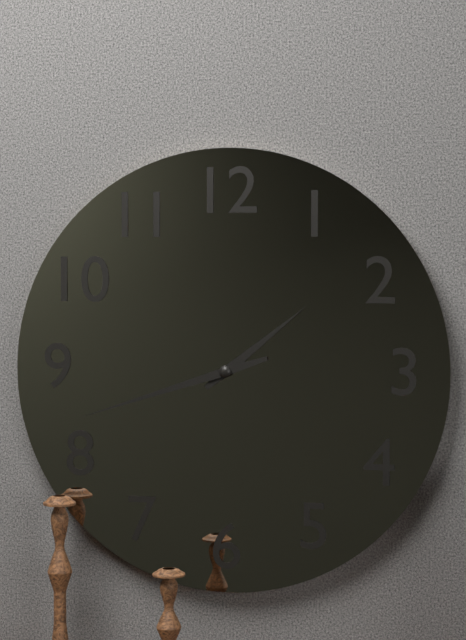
1,42
